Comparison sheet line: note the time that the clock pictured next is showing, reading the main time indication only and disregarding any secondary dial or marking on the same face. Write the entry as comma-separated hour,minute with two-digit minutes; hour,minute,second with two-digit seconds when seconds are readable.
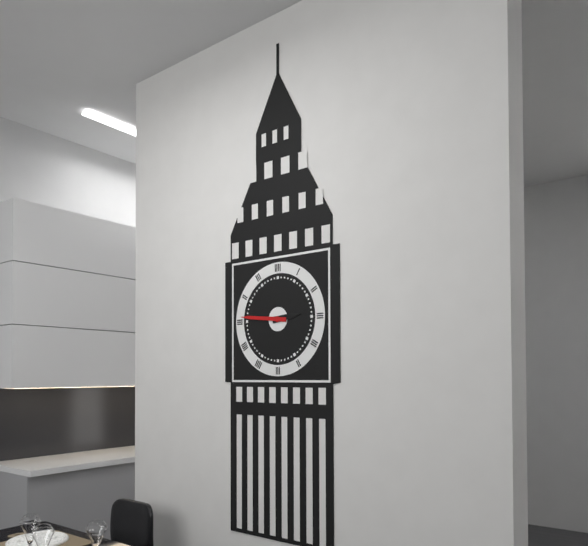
2,46
